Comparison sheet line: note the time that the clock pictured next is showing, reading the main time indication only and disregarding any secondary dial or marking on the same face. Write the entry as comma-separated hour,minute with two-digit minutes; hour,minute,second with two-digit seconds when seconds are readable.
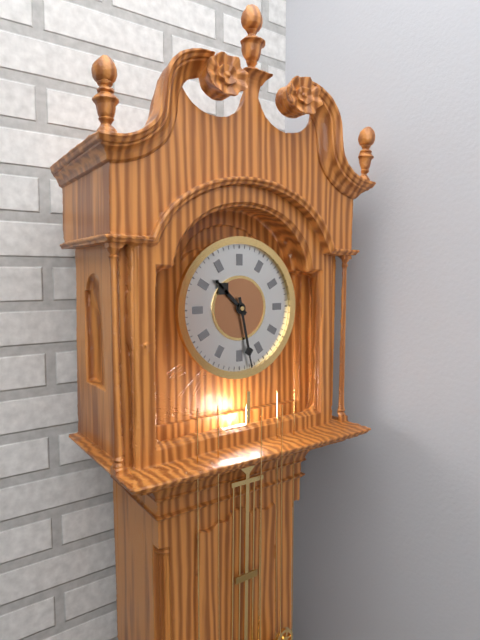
10,28
